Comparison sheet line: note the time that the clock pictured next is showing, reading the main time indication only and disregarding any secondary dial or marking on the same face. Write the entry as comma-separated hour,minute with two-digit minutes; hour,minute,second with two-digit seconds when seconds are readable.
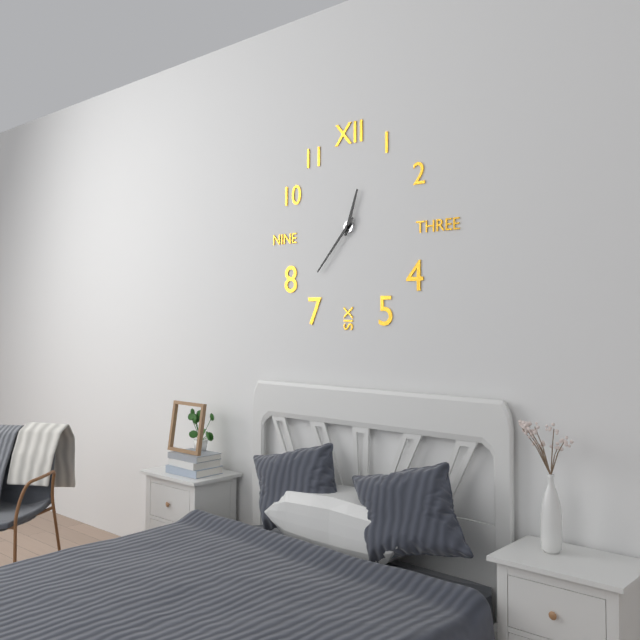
12,37
